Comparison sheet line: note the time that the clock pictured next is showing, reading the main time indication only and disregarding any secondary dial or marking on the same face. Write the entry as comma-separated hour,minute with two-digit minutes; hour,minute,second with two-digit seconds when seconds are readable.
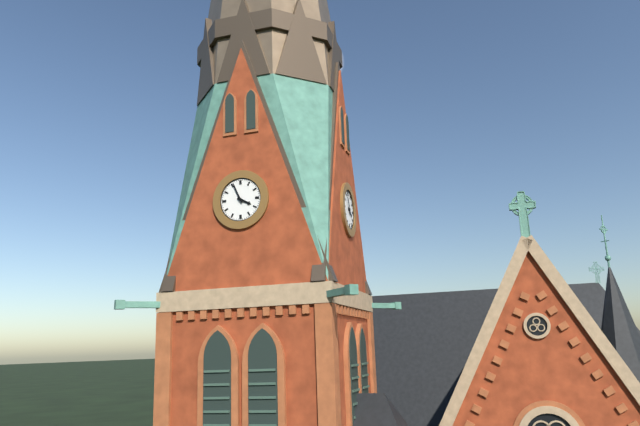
3,56
